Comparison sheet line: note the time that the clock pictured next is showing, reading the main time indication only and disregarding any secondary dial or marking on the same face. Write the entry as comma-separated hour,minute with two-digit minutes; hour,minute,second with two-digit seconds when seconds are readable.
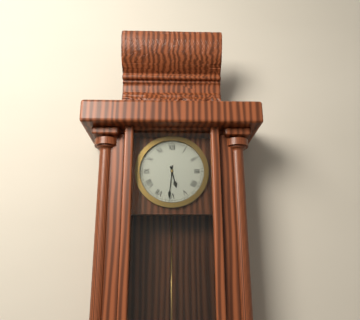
5,31
